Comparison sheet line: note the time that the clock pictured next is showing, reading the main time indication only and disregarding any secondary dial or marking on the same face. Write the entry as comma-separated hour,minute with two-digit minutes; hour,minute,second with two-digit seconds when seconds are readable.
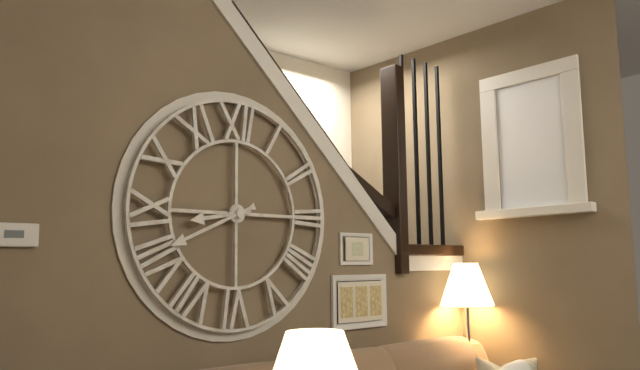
8,41
